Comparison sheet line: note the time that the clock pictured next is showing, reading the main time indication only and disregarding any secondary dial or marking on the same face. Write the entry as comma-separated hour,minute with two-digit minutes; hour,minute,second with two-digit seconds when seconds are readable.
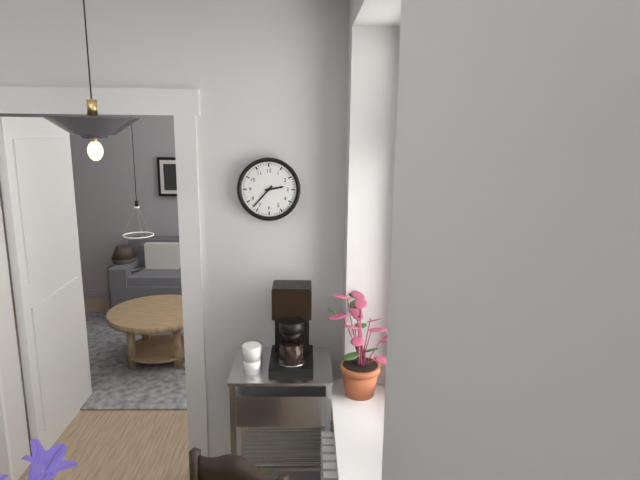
2,37
